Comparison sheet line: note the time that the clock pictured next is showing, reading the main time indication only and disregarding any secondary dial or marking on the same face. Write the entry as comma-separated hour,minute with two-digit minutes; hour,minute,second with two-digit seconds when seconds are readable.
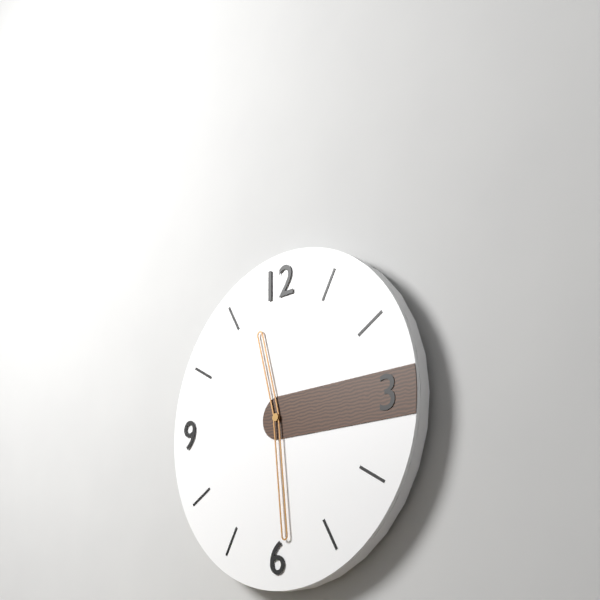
11,29
